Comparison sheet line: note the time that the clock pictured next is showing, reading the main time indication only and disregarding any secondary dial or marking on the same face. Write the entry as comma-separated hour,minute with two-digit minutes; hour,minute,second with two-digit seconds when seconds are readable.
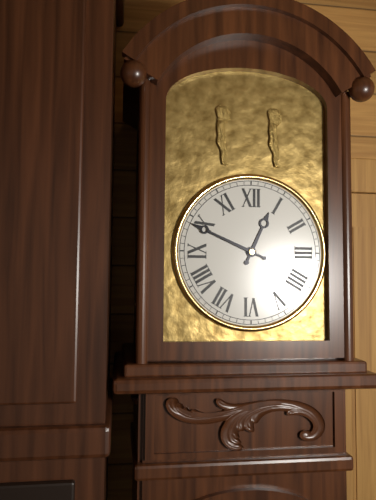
12,49
